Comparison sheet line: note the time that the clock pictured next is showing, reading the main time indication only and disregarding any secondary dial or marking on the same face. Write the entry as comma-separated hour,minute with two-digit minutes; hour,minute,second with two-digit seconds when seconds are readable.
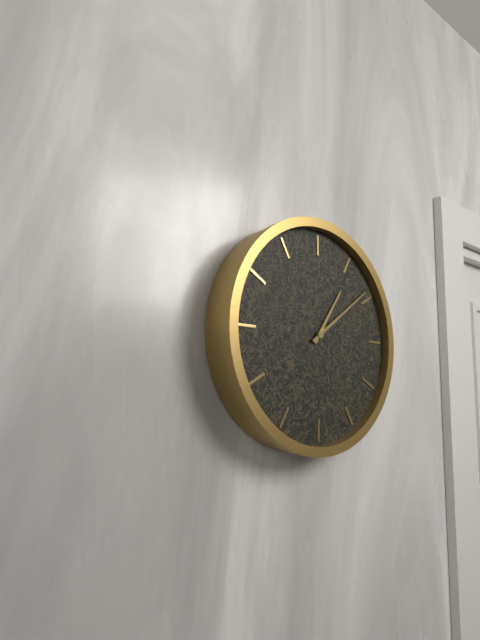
1,09
